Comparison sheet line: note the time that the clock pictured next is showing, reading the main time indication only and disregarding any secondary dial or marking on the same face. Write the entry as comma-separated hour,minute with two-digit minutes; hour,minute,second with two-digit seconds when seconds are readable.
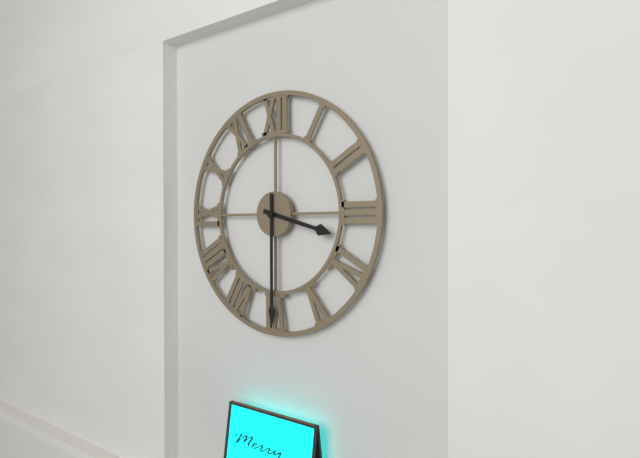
3,30
